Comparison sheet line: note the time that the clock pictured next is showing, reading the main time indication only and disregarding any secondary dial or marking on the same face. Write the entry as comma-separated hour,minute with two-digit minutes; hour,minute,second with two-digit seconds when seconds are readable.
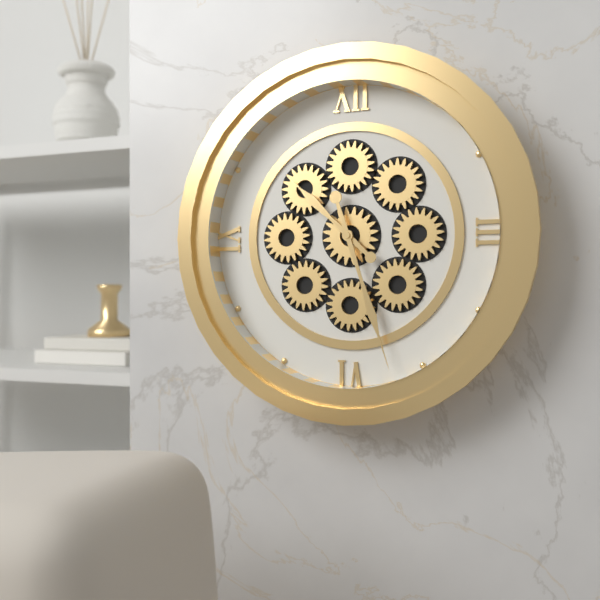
10,27
